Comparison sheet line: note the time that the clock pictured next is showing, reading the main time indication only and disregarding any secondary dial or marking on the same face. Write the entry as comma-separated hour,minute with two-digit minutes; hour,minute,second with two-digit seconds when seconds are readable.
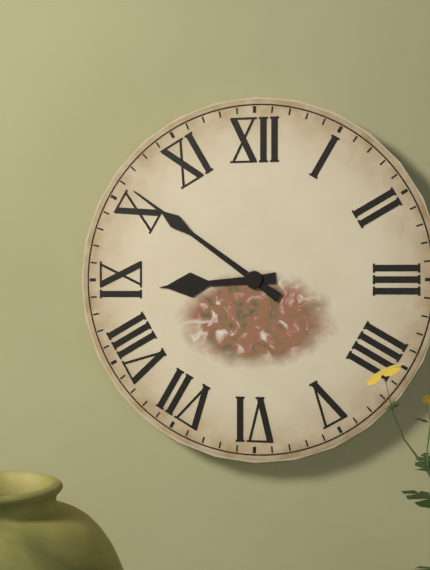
8,51
